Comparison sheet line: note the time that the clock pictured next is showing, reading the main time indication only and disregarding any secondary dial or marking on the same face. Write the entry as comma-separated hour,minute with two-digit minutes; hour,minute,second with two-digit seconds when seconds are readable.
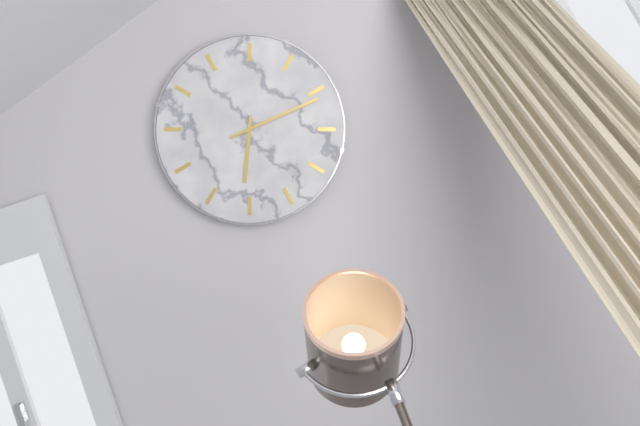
6,11
